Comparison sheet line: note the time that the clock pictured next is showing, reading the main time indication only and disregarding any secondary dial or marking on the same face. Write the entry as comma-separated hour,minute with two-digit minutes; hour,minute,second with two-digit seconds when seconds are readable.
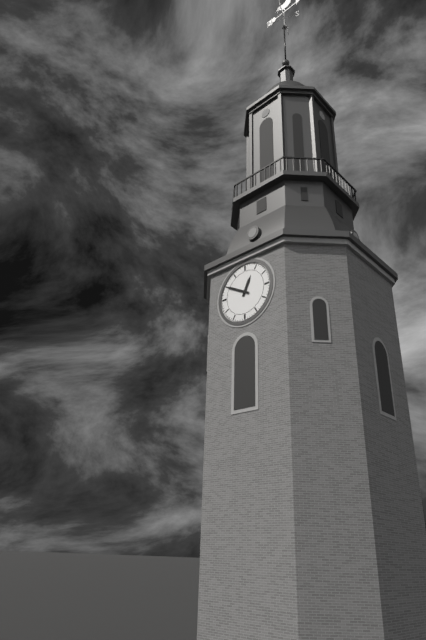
12,50
